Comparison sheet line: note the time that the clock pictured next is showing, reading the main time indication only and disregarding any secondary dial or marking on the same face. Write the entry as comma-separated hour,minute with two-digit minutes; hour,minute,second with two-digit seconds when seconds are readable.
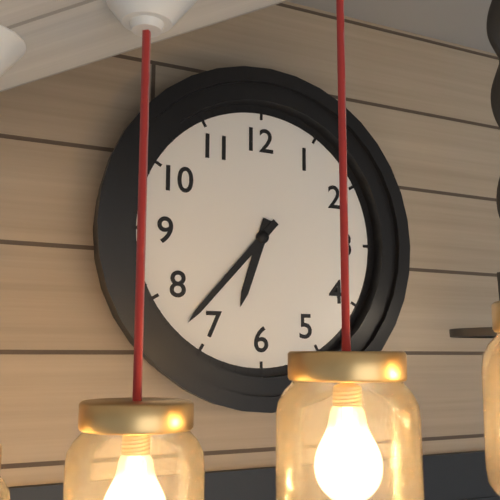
6,37
